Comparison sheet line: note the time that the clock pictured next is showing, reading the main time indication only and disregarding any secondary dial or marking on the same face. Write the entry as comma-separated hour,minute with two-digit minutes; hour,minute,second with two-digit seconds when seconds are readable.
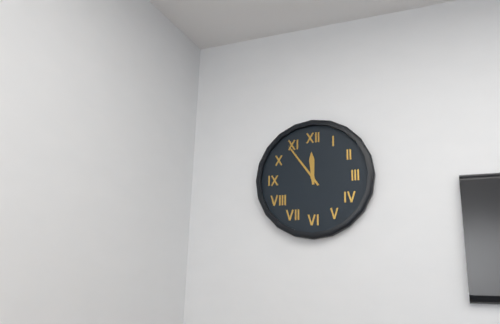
11,54
